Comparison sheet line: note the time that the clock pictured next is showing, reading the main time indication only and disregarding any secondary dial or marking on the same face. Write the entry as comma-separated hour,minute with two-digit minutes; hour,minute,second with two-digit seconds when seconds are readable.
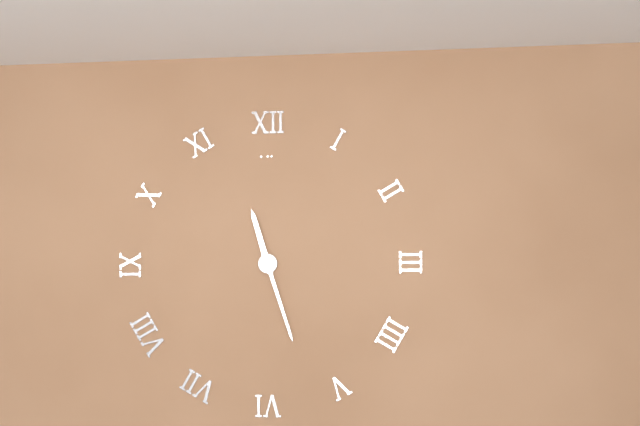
11,27
